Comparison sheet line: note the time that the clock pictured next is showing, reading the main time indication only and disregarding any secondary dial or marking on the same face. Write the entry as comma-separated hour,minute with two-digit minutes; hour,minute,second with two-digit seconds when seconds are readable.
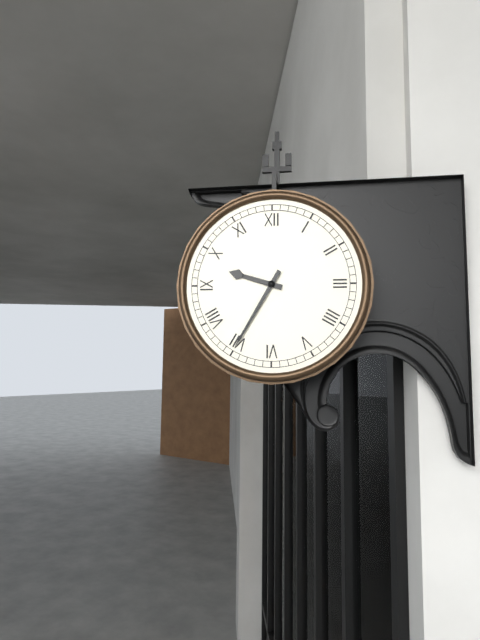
9,35
